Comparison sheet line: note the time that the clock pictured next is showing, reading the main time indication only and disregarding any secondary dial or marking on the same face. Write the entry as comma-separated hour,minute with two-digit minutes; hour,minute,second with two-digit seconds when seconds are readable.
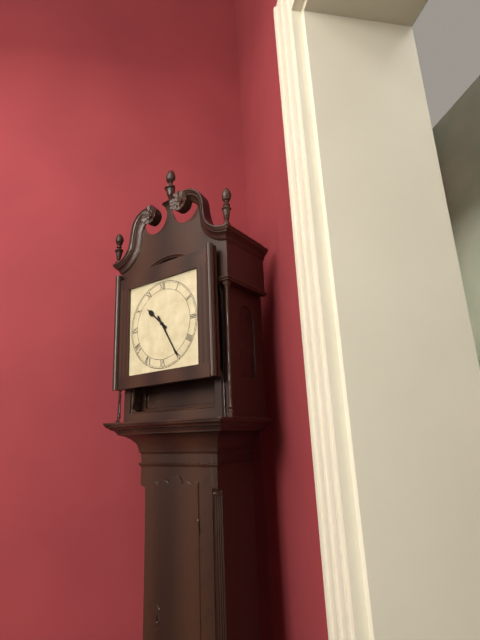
10,25
